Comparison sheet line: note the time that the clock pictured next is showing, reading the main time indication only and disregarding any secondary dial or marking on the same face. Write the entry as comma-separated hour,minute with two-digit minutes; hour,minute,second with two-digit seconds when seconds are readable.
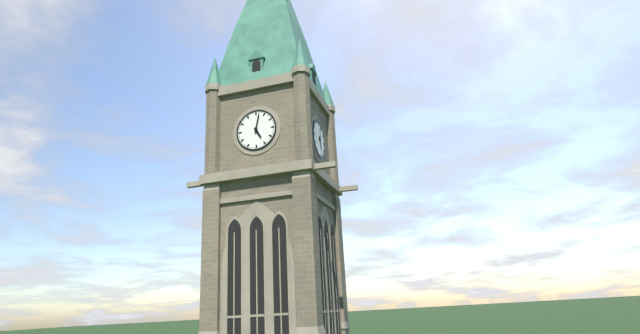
5,02
